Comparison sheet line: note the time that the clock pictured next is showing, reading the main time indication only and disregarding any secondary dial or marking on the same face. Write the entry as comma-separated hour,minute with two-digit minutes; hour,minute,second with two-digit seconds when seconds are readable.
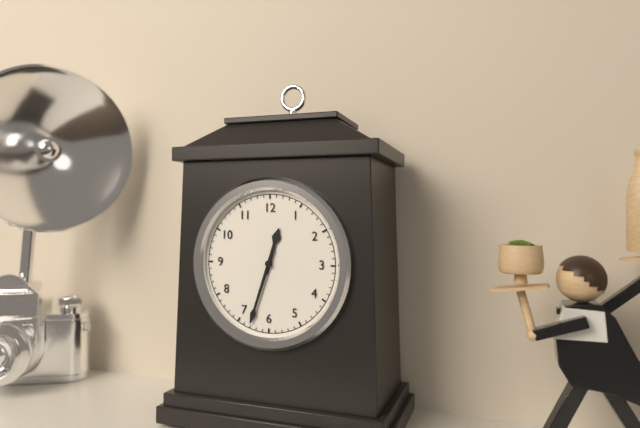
12,33
